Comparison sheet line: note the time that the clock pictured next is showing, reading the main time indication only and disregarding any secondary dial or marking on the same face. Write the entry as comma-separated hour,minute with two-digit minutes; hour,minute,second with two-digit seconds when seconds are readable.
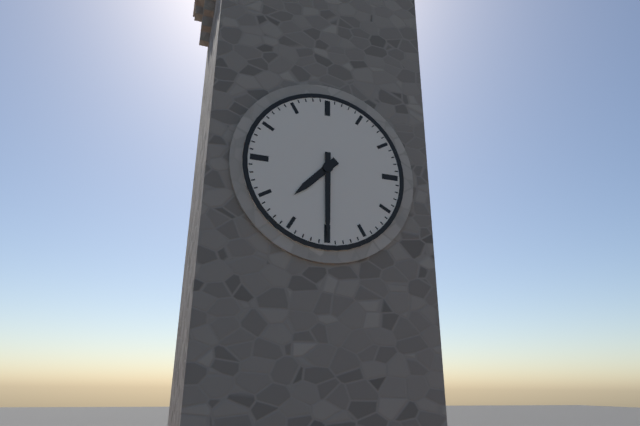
7,30
